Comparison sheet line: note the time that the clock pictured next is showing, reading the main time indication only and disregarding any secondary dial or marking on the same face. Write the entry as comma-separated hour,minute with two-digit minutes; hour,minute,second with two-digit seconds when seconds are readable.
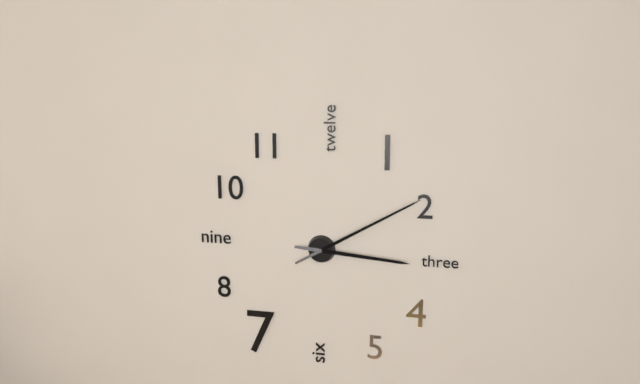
3,10
